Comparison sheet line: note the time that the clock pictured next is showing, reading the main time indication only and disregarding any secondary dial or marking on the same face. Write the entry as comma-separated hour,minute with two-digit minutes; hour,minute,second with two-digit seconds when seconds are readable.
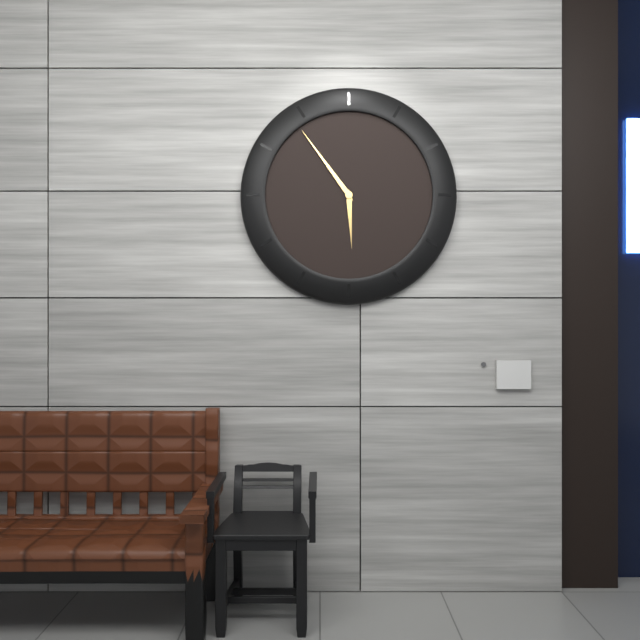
5,54
